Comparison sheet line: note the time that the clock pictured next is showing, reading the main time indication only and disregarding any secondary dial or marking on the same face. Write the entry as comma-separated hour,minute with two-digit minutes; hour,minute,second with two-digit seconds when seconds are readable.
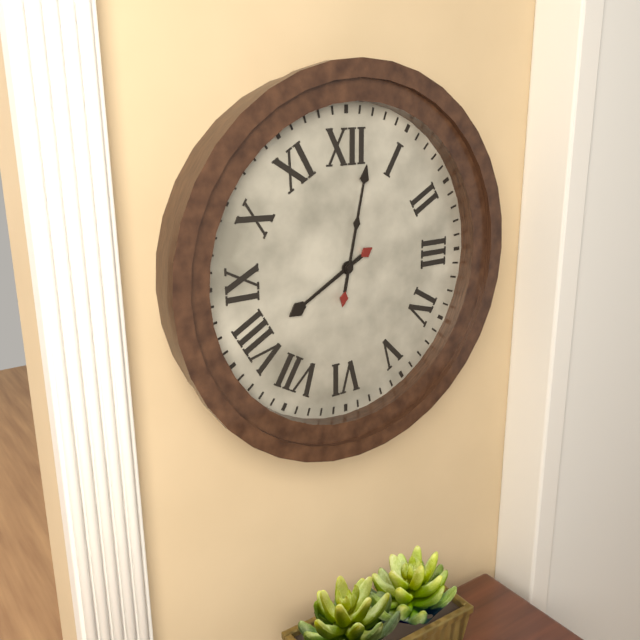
8,02
